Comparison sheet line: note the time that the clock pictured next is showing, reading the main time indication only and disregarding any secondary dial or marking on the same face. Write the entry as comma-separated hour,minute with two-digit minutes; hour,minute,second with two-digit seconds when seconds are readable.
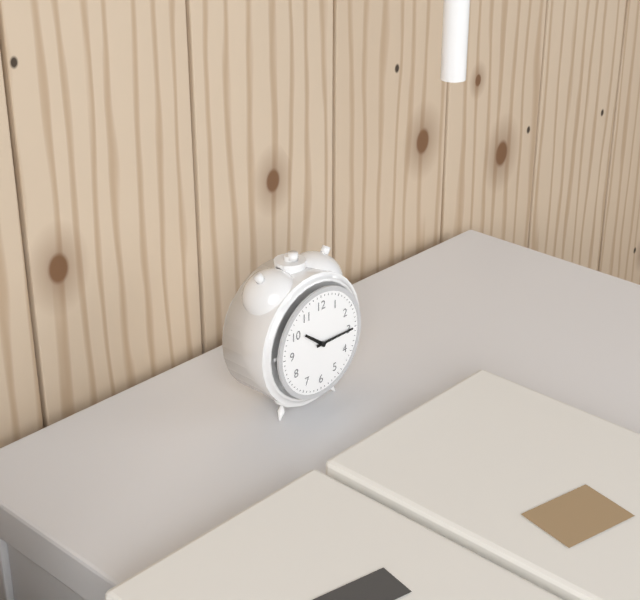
10,15
